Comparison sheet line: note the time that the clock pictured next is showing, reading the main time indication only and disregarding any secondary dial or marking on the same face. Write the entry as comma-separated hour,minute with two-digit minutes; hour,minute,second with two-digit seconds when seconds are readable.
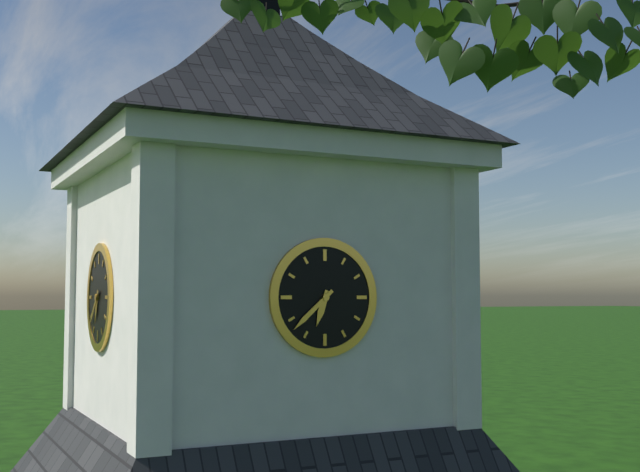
6,38
